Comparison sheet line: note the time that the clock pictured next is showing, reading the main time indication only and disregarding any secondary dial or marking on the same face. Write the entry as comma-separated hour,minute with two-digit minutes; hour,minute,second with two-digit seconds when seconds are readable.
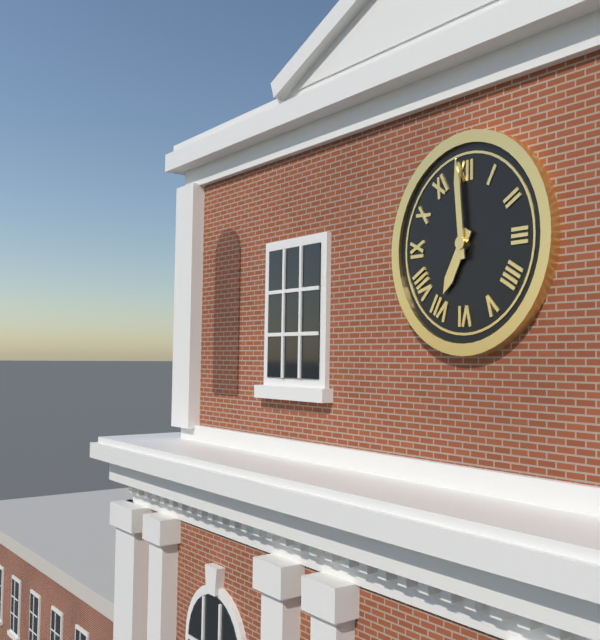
6,59
